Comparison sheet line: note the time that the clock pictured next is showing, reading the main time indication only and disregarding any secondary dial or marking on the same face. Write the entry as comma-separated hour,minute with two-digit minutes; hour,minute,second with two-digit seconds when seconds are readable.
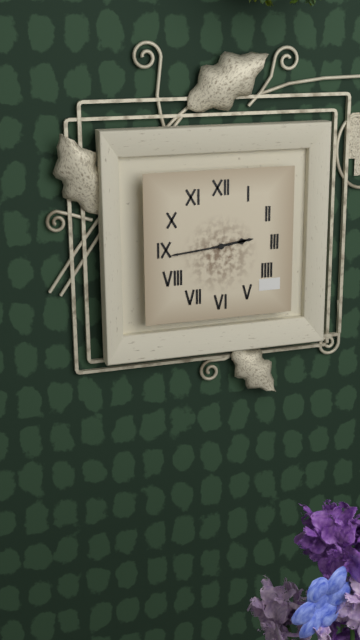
2,44
